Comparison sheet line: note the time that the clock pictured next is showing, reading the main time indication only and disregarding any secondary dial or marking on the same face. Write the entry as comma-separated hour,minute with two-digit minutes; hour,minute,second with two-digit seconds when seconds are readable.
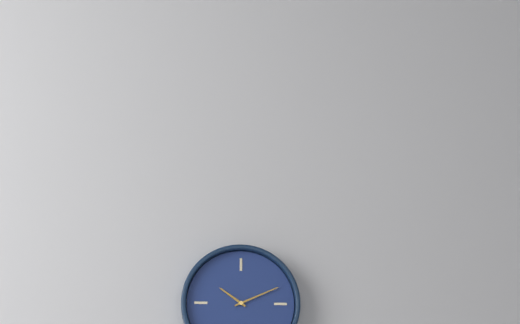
10,11
